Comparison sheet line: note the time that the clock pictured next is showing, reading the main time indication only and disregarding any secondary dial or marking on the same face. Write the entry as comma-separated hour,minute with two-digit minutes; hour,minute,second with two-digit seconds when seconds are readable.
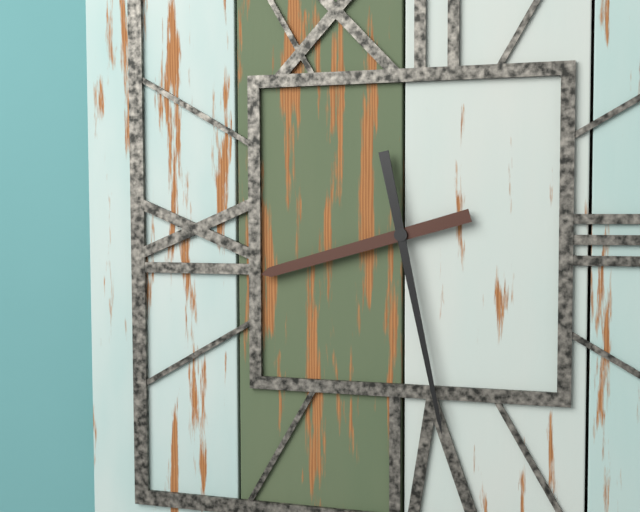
8,28
